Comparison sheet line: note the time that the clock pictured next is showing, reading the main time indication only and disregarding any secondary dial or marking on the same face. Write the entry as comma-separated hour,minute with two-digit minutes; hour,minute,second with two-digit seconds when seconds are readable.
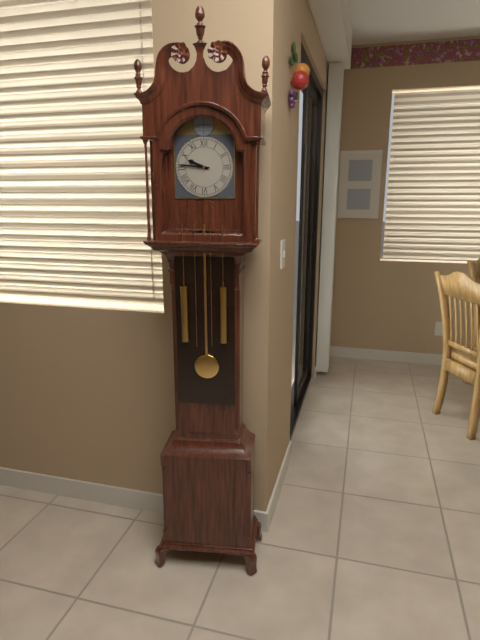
9,46
